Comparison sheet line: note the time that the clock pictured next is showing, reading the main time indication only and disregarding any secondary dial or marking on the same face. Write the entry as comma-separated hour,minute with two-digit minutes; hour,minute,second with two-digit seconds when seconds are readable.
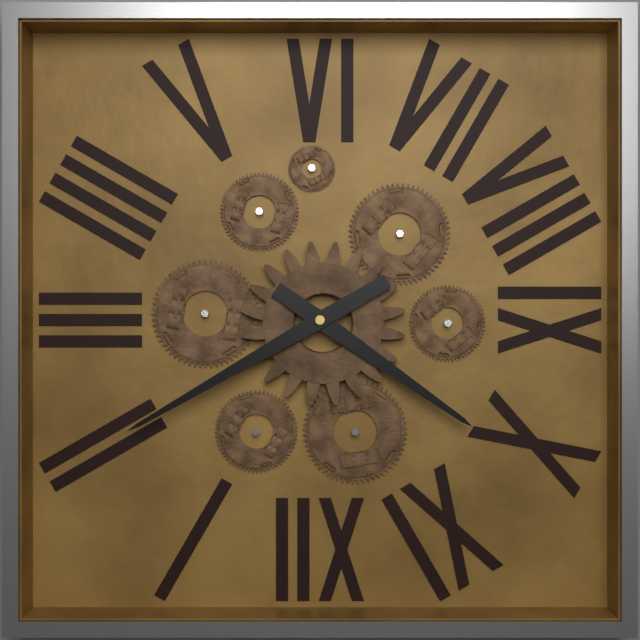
10,10
